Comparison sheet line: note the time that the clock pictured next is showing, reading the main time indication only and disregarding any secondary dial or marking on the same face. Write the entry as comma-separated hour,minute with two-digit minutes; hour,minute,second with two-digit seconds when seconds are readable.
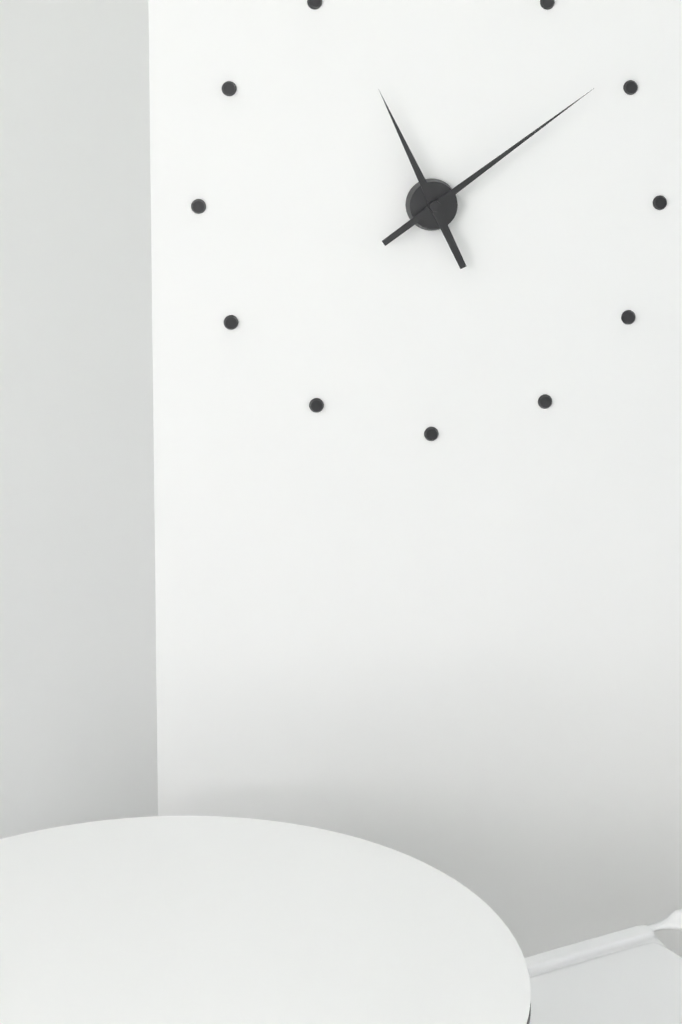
11,09
